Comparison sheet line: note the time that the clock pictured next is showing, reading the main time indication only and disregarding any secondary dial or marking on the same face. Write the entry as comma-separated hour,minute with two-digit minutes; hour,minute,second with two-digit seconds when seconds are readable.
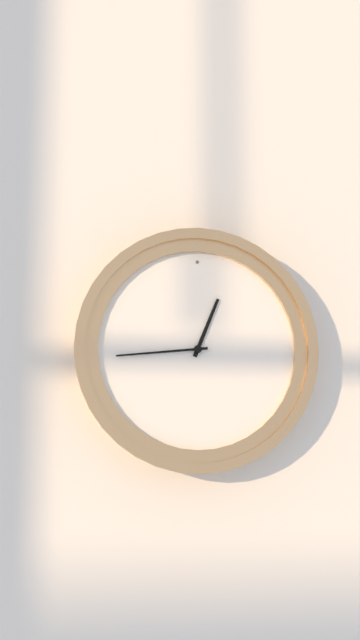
12,44
